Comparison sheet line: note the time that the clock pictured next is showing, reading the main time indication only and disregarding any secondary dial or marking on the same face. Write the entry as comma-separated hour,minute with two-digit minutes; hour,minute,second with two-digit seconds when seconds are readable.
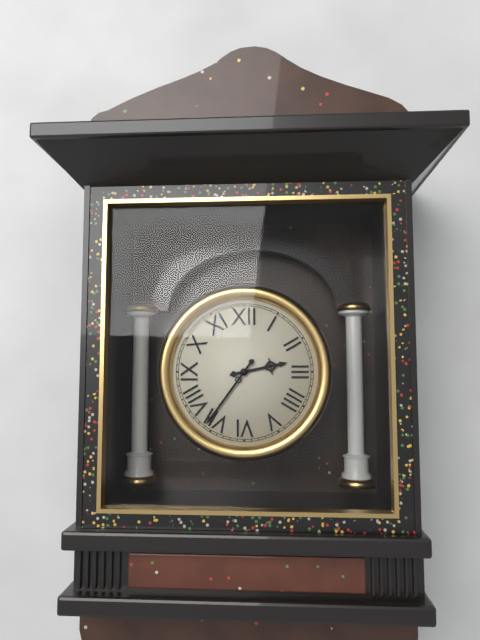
2,36
